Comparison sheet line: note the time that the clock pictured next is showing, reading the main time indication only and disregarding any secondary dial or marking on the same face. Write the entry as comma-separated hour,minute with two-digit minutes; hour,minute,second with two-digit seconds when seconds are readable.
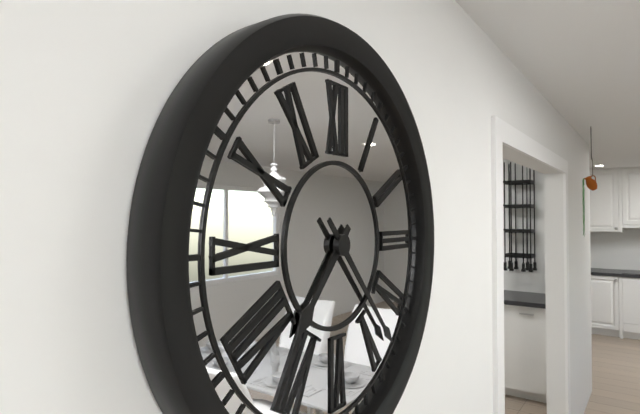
7,23
